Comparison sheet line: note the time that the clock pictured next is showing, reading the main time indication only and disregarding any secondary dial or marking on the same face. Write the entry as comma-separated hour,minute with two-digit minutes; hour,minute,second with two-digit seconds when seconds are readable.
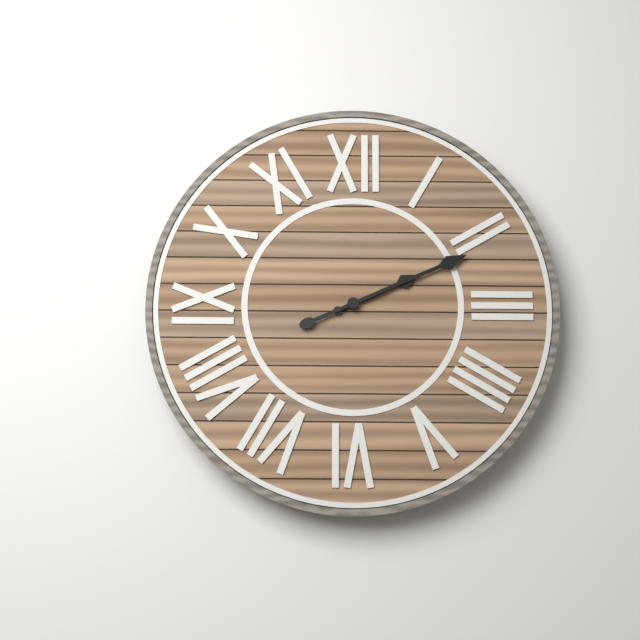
2,11
